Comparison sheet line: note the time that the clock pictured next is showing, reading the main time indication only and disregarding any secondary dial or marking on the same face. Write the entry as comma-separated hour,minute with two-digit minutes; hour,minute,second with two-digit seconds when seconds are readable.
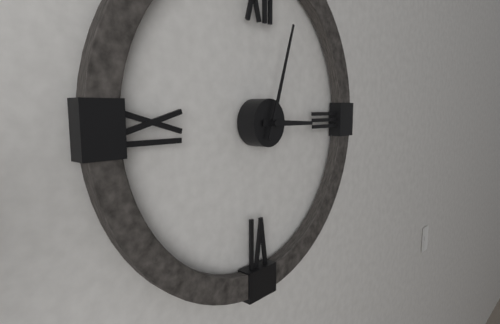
3,03
